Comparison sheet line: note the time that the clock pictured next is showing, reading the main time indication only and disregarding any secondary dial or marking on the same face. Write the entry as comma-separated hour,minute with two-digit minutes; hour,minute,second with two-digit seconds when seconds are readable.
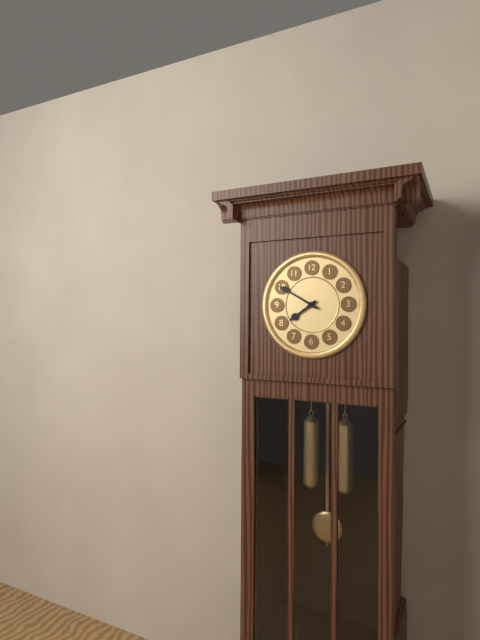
7,50
